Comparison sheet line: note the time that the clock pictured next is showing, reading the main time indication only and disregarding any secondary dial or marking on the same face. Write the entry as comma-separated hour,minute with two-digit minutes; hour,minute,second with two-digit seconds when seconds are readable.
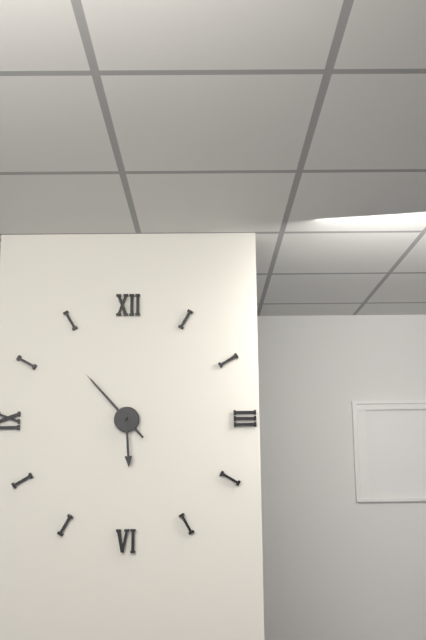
5,53
